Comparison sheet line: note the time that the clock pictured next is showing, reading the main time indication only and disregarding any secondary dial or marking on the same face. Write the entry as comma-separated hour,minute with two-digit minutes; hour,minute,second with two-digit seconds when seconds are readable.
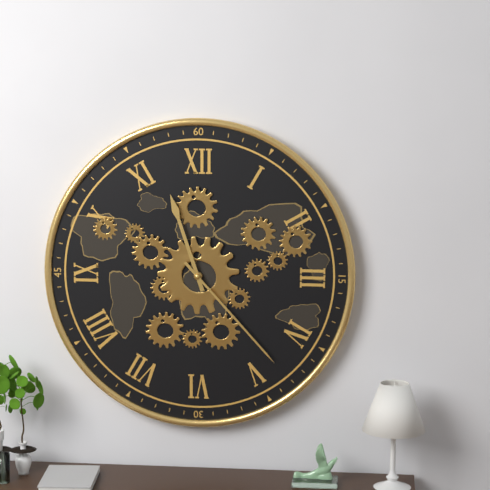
11,23
